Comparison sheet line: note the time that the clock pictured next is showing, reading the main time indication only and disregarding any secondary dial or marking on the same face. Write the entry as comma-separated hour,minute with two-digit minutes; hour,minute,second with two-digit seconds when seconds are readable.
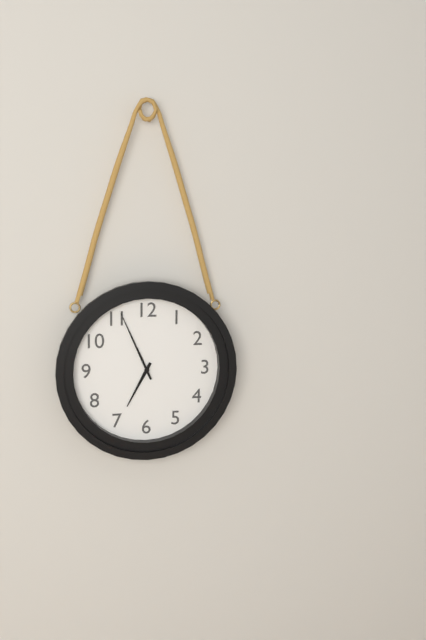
6,56
